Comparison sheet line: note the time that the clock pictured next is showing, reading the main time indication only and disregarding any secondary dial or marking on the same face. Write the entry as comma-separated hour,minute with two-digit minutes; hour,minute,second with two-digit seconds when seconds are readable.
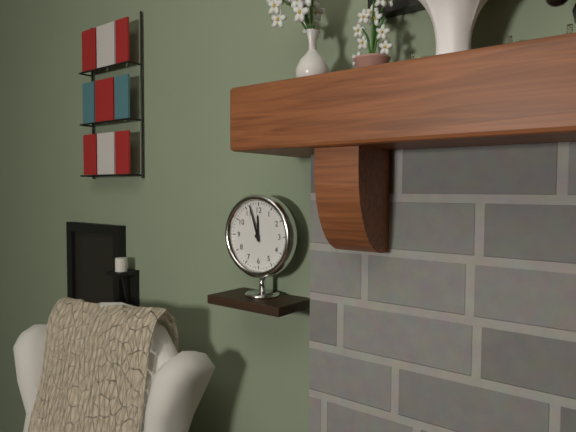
11,57
